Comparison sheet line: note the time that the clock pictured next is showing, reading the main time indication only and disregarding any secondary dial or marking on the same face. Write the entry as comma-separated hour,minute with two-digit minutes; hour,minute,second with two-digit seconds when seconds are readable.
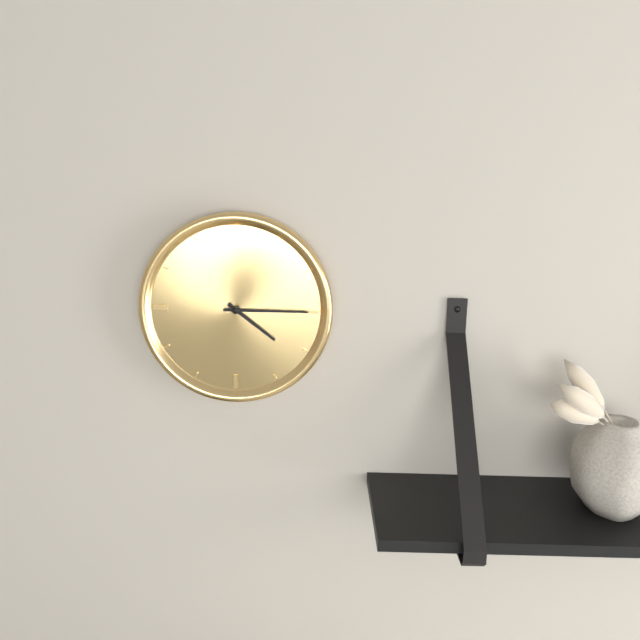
4,15
